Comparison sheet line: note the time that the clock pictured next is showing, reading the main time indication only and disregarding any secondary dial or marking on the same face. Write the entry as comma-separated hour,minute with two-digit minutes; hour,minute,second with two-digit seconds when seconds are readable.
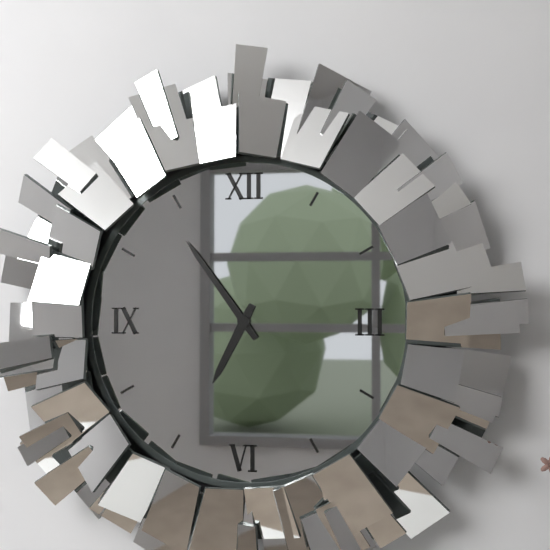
6,54
